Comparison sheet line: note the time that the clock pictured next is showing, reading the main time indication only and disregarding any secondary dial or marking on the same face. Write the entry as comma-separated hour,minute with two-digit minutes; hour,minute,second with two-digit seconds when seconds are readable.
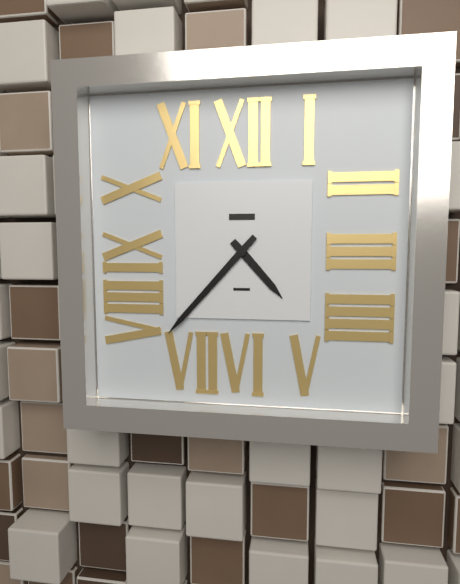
4,37
